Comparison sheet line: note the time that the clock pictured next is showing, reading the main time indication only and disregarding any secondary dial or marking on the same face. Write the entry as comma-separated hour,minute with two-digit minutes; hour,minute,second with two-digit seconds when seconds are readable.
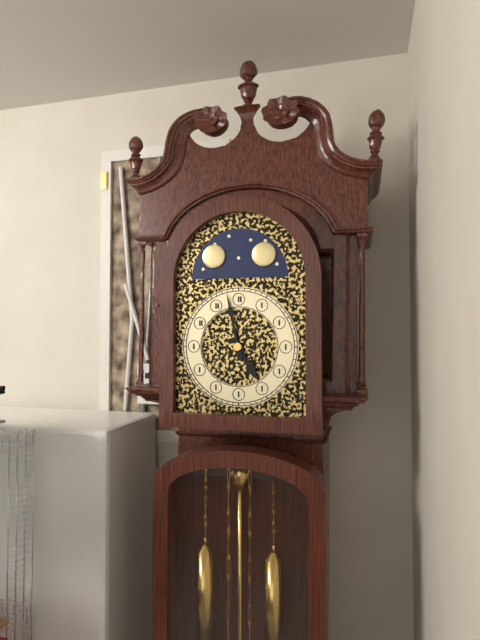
4,58
